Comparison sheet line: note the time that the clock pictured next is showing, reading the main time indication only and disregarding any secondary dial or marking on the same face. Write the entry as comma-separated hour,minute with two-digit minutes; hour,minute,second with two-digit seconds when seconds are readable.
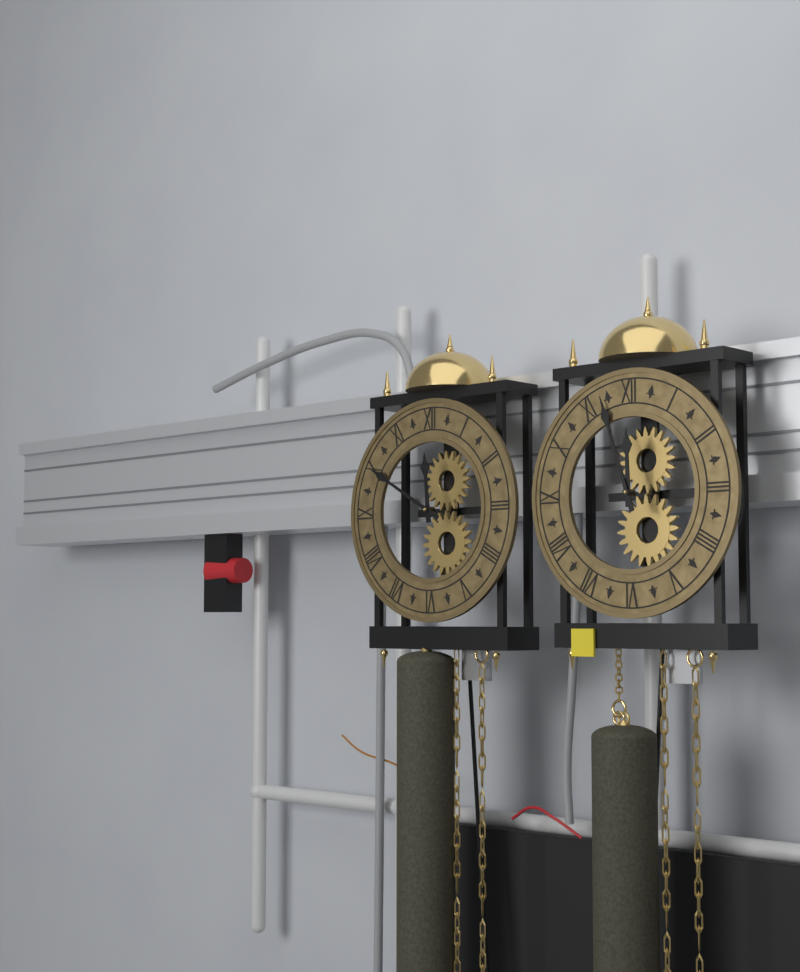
11,50
